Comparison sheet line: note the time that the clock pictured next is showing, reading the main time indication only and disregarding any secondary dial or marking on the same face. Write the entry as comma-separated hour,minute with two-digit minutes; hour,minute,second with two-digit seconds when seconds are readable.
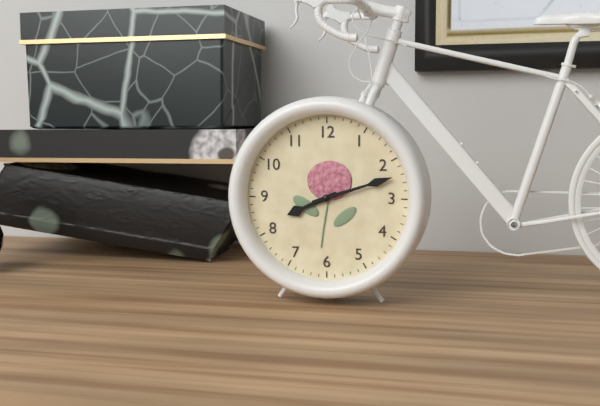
8,12
